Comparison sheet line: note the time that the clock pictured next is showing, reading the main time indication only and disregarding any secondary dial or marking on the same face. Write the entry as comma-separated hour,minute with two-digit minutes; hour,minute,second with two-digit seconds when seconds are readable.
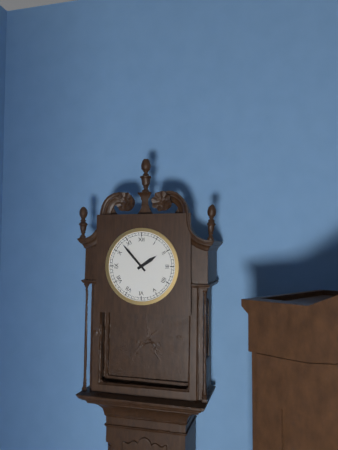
1,53
